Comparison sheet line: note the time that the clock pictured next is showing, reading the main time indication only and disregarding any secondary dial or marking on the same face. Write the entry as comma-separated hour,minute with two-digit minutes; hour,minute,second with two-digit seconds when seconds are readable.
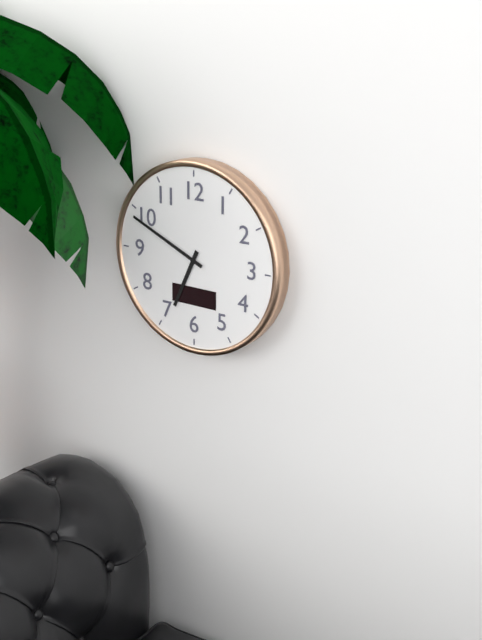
6,49
